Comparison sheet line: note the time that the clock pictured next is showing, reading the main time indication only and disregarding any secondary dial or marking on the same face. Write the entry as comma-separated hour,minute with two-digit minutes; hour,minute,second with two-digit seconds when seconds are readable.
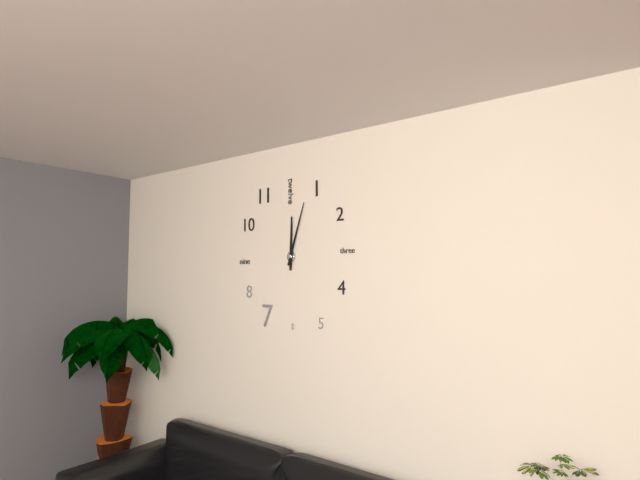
12,03
